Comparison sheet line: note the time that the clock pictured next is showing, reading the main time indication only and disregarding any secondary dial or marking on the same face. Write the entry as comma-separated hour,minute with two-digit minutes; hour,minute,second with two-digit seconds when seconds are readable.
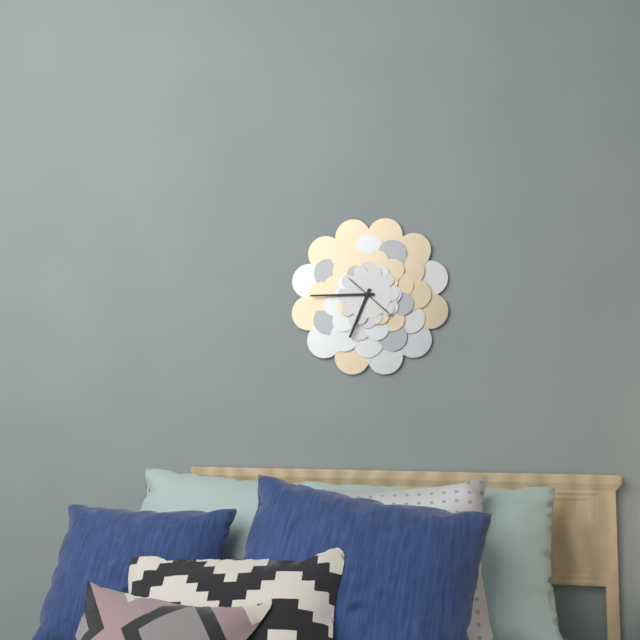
6,45
